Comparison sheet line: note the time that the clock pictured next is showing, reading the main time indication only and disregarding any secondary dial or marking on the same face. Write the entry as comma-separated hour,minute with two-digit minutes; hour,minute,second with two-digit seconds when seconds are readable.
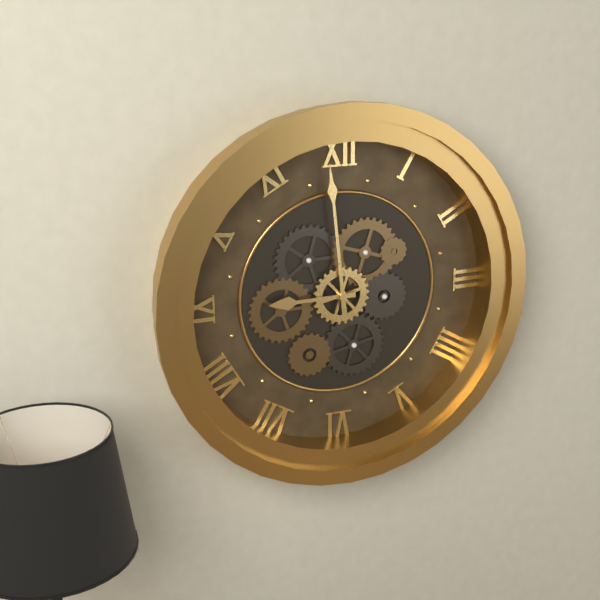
8,59
